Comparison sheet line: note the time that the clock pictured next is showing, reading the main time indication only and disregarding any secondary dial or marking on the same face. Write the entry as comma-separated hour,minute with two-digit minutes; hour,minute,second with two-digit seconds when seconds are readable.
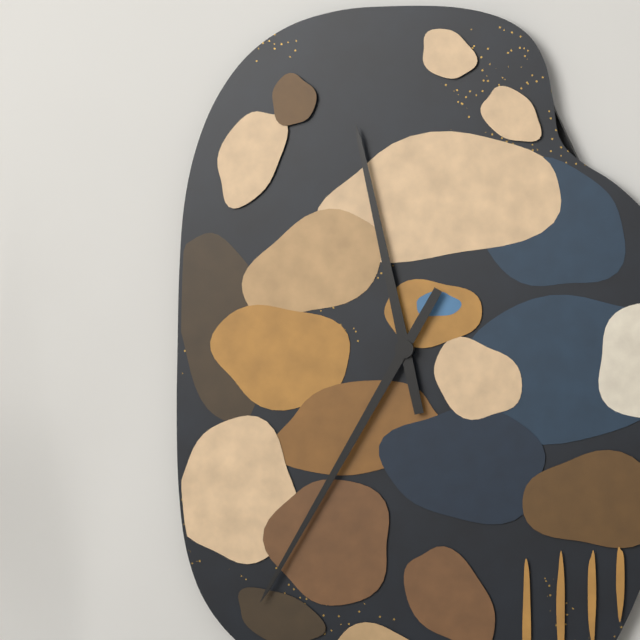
11,35
